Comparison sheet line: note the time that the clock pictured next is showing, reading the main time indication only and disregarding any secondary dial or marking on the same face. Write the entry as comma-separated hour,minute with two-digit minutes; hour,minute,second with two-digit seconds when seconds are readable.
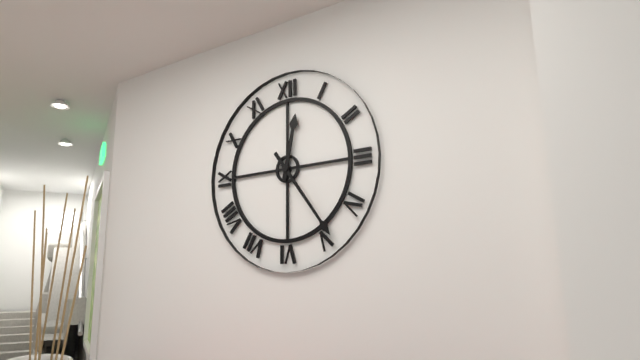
12,24
